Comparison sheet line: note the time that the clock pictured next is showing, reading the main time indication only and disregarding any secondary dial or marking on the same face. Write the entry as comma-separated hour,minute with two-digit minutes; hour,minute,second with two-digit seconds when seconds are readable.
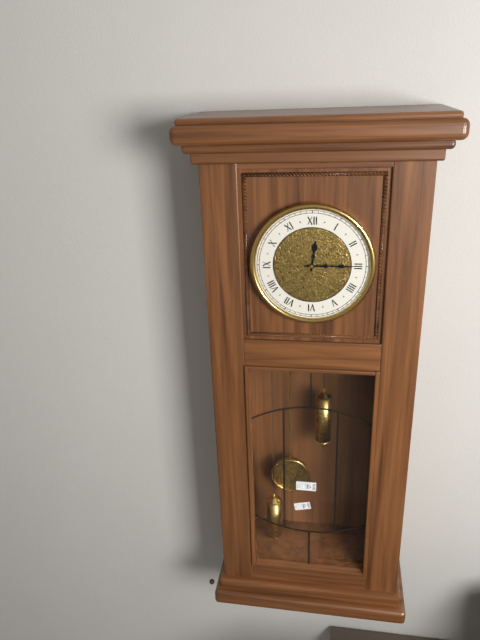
12,15
